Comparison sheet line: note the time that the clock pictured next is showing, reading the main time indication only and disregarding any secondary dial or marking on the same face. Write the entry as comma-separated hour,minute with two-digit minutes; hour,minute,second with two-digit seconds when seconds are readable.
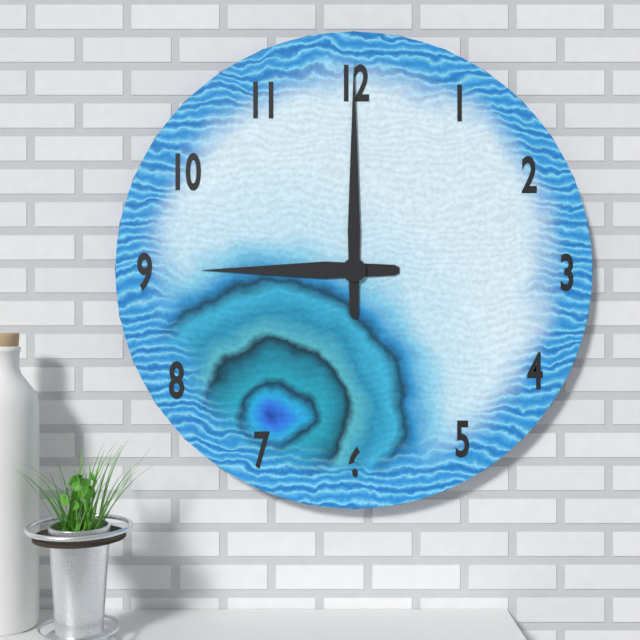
9,00
